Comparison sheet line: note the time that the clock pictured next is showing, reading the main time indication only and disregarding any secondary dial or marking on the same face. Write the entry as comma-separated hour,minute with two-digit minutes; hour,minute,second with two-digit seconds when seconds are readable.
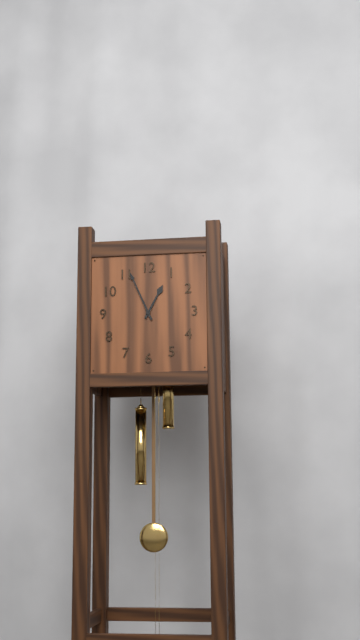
12,56
